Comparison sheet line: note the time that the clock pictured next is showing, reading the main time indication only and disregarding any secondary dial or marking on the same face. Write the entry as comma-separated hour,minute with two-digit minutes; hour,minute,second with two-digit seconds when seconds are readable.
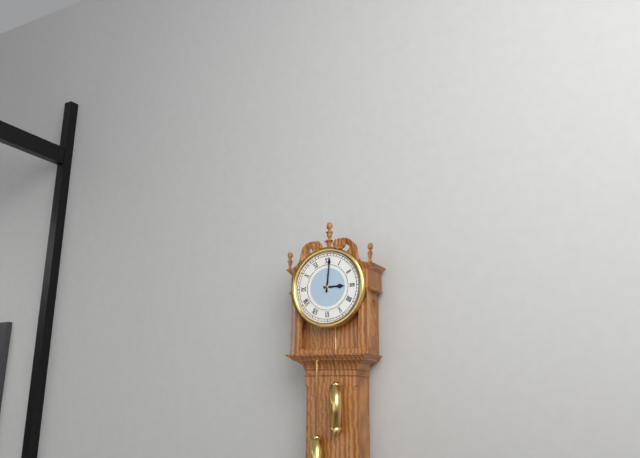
3,01
